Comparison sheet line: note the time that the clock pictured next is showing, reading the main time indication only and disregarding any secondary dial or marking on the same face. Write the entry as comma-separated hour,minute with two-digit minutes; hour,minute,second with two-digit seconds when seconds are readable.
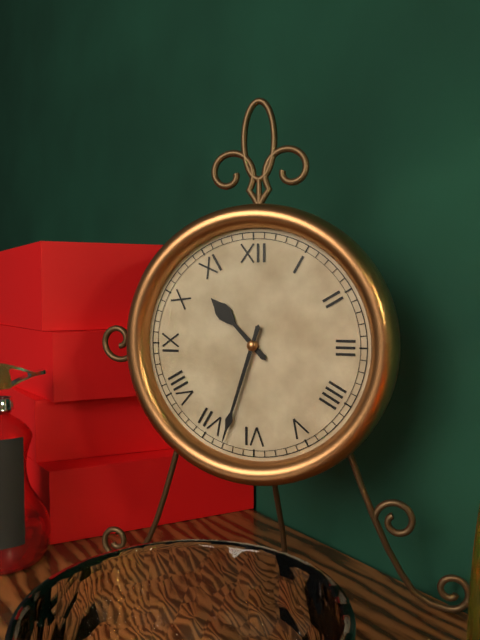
10,33
